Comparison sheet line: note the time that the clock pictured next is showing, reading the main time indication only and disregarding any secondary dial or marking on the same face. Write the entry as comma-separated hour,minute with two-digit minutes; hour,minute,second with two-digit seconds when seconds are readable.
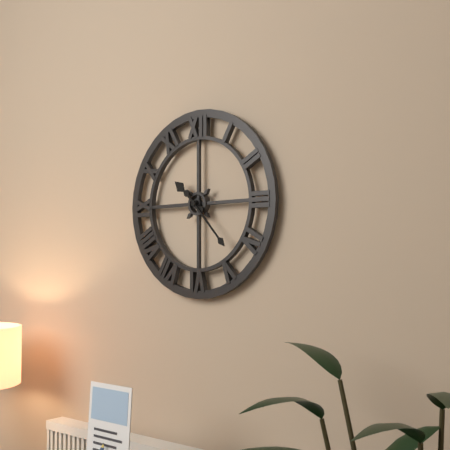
10,23
